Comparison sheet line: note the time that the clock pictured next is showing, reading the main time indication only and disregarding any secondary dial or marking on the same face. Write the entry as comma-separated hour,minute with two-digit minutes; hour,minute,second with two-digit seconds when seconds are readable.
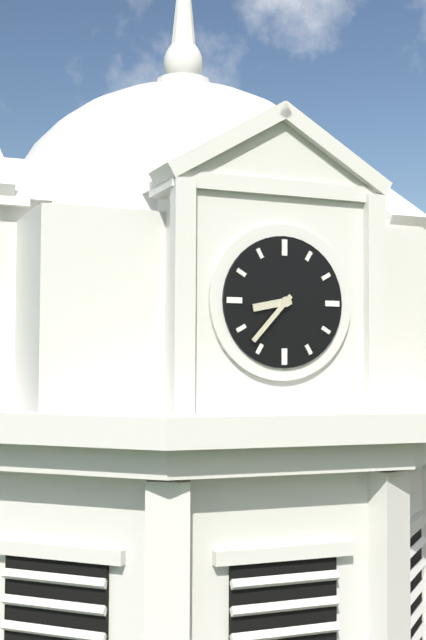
8,37
